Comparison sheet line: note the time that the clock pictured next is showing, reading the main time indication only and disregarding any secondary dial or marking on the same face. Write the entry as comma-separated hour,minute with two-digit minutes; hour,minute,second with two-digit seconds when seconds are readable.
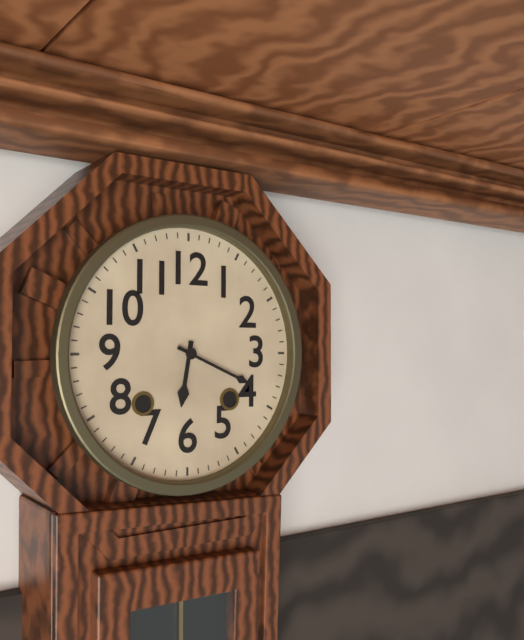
6,19
